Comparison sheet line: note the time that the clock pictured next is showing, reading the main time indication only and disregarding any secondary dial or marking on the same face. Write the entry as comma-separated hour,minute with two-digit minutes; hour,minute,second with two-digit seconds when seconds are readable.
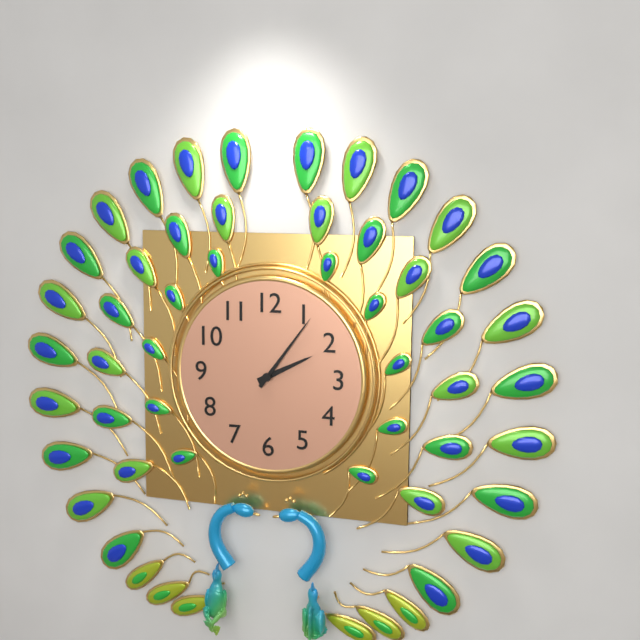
2,06
